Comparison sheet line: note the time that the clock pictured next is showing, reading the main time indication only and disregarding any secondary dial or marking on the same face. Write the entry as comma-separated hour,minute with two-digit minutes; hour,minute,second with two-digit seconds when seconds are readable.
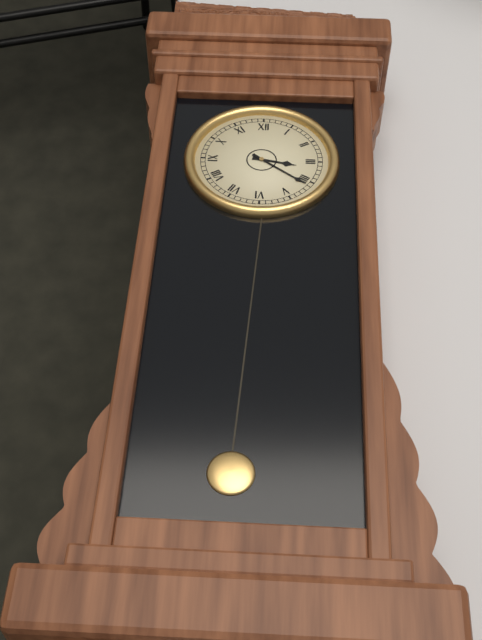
3,21
